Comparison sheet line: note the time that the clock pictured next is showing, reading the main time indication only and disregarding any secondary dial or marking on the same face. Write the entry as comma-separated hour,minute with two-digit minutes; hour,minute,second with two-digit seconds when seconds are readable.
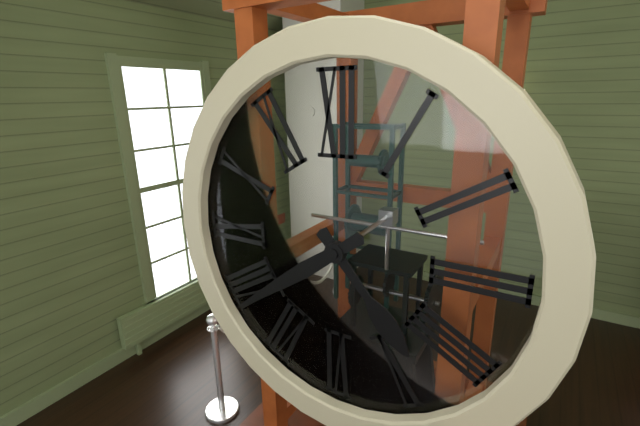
4,39
